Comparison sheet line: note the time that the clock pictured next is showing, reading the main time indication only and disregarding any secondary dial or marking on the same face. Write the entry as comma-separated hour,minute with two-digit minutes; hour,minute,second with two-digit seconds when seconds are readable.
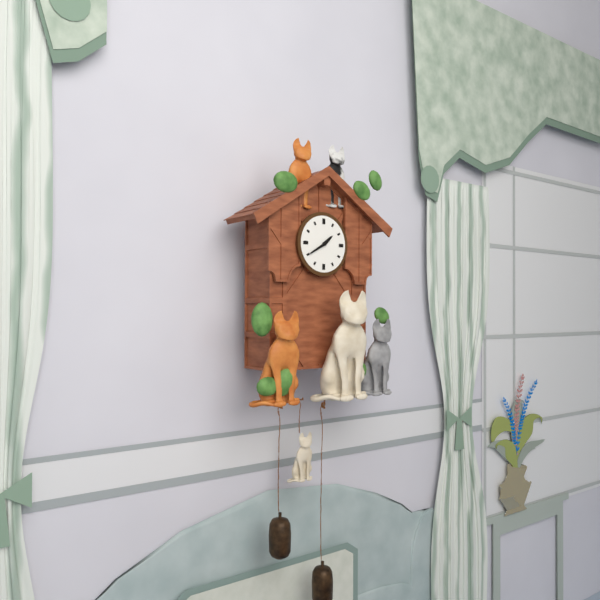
1,40
